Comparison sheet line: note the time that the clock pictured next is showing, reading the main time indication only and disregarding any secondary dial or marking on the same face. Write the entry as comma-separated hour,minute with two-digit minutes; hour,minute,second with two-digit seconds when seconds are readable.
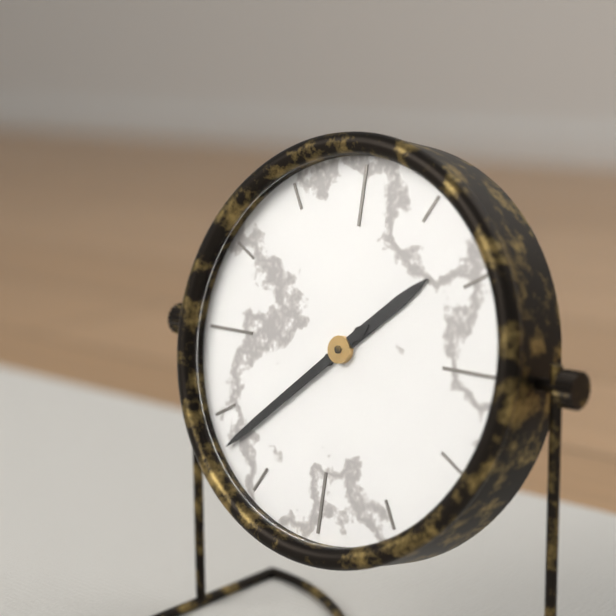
1,38
